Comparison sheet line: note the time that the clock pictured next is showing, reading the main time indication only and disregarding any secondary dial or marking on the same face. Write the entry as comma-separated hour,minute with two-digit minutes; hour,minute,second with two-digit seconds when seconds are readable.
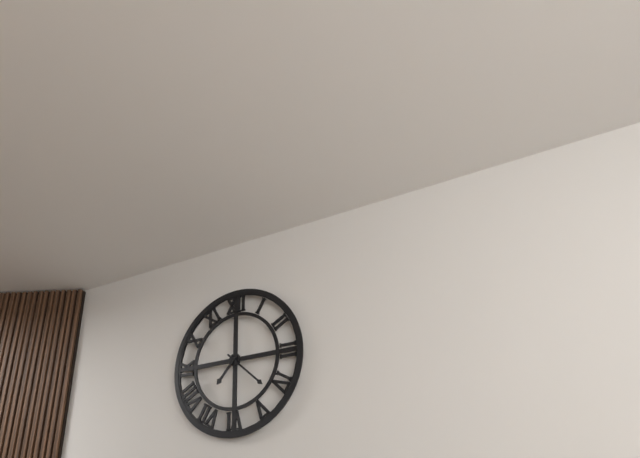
7,22
